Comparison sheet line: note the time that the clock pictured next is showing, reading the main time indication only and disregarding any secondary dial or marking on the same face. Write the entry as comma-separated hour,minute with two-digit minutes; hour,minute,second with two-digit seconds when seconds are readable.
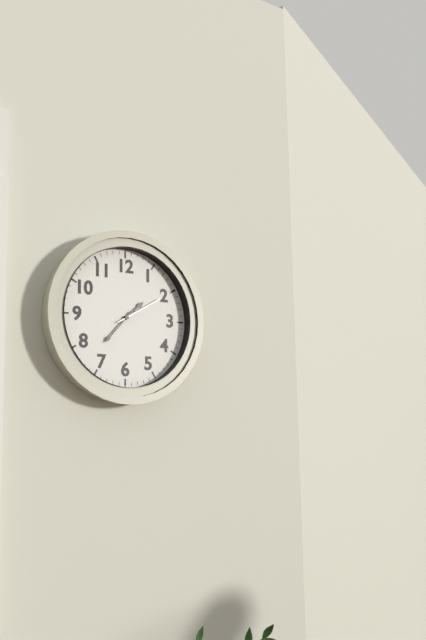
1,37
